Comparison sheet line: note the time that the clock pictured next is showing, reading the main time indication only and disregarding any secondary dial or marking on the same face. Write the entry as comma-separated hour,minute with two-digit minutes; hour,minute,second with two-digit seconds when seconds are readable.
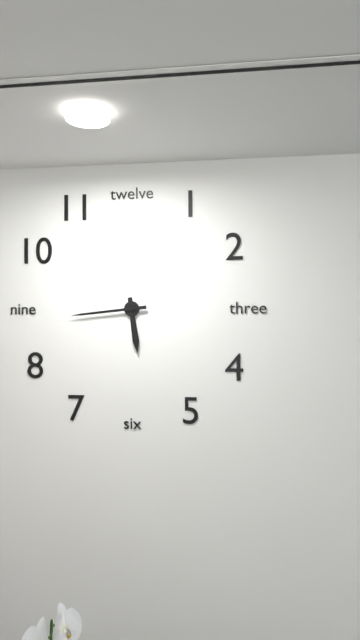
5,44
